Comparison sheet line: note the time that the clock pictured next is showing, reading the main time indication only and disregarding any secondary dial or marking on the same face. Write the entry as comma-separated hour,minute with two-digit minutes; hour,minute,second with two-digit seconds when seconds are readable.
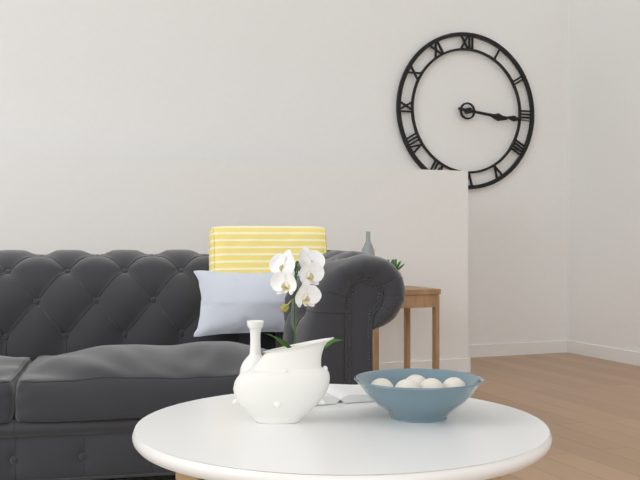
3,16
